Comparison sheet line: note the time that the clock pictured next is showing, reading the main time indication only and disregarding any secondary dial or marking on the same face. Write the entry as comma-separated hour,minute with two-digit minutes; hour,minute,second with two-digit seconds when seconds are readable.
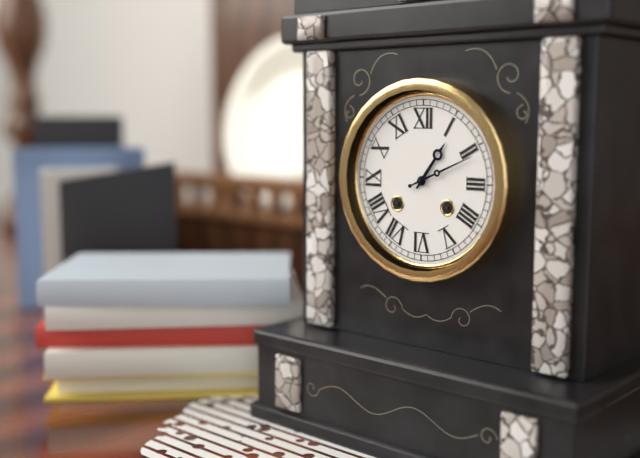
1,11
